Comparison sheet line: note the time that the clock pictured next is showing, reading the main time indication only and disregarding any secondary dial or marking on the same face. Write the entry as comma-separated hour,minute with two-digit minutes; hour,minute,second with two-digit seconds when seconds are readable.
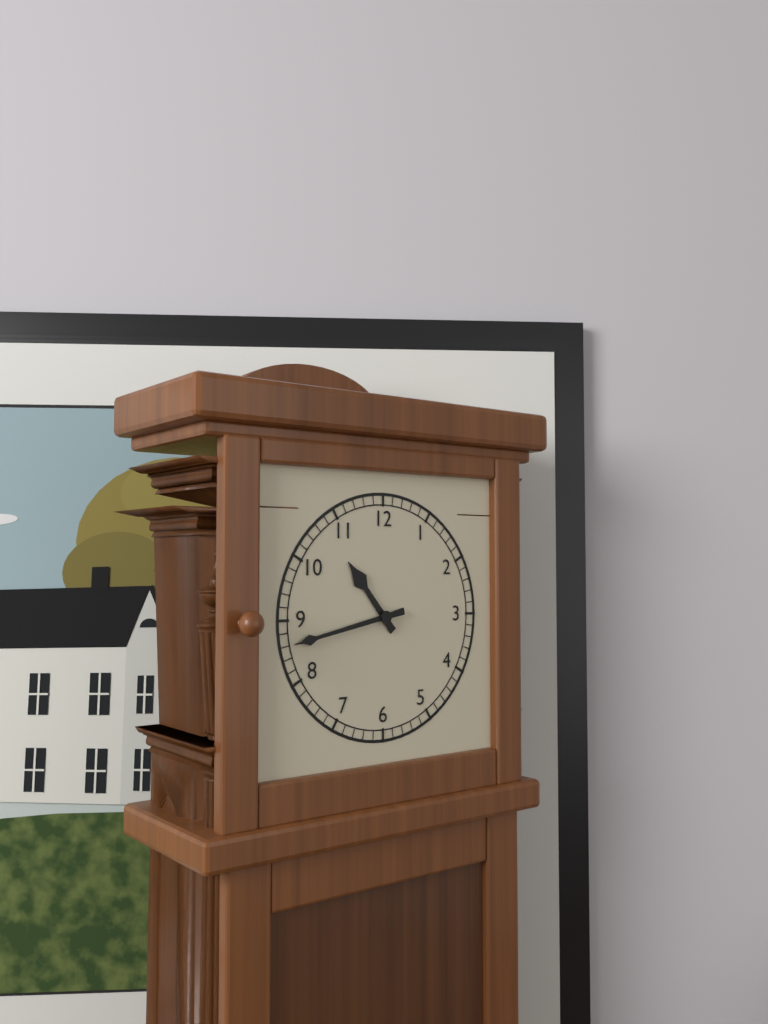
10,43
